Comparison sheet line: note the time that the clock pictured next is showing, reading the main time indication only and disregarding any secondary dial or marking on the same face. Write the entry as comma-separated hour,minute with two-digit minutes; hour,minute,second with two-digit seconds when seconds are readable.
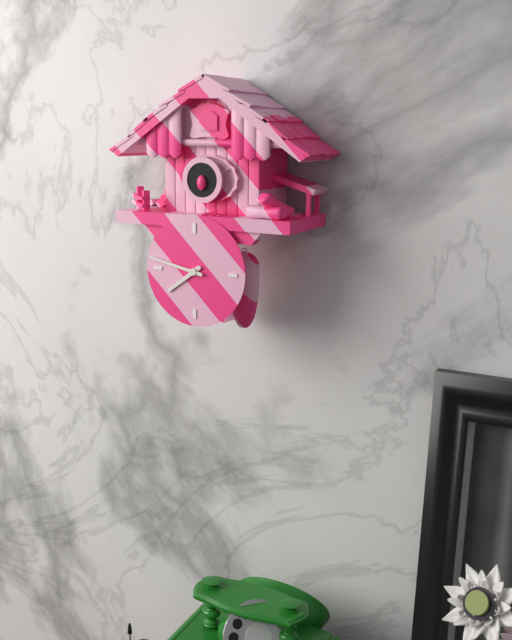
7,47
